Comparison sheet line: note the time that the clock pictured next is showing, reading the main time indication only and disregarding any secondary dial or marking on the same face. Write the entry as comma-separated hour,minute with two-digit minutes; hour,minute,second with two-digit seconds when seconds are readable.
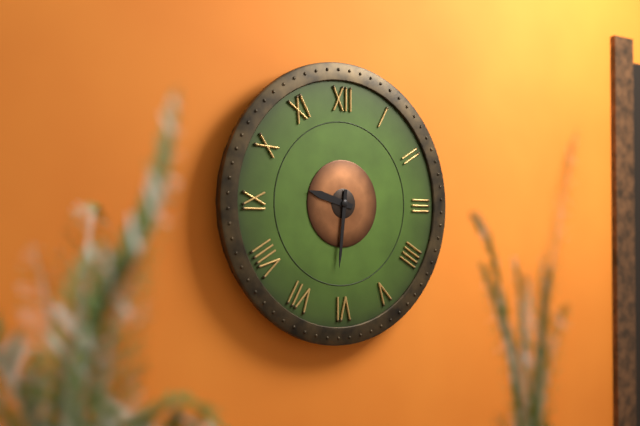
9,31
